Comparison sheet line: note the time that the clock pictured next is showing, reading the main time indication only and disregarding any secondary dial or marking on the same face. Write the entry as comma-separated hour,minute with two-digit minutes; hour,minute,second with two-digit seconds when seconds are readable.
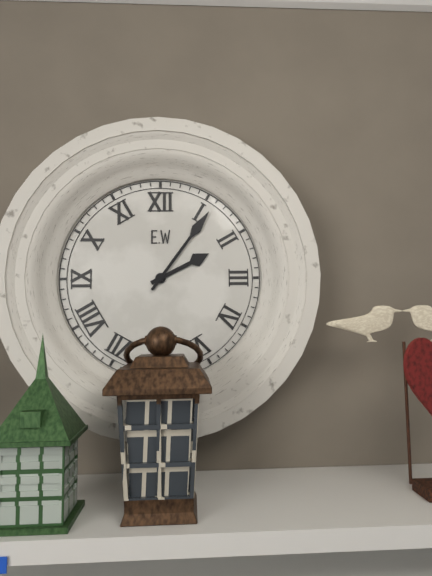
2,06
